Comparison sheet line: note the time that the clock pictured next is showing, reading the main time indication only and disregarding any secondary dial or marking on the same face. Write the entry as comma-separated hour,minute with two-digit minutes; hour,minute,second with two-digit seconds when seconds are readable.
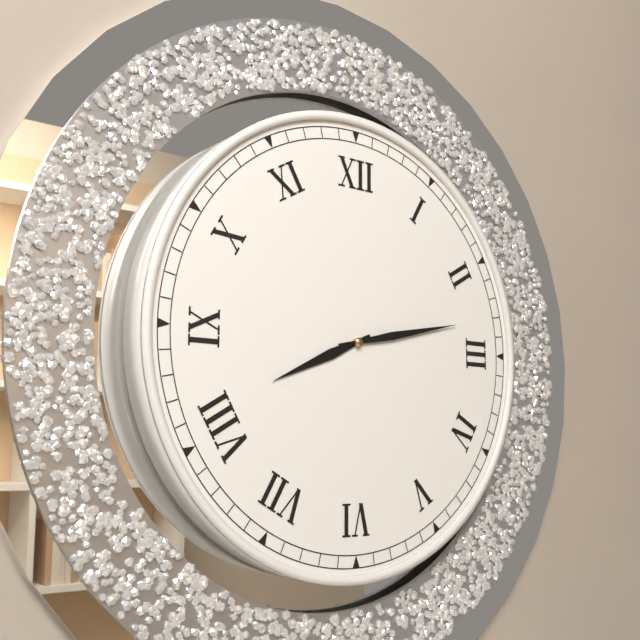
8,13
